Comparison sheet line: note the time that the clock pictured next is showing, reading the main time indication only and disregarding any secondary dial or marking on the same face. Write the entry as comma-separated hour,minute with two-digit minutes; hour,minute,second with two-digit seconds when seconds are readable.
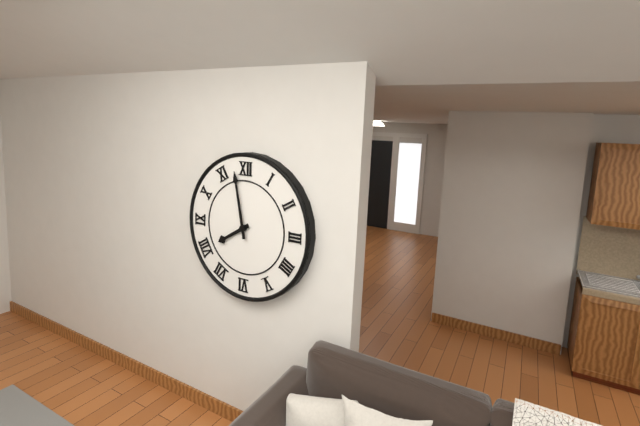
7,58
